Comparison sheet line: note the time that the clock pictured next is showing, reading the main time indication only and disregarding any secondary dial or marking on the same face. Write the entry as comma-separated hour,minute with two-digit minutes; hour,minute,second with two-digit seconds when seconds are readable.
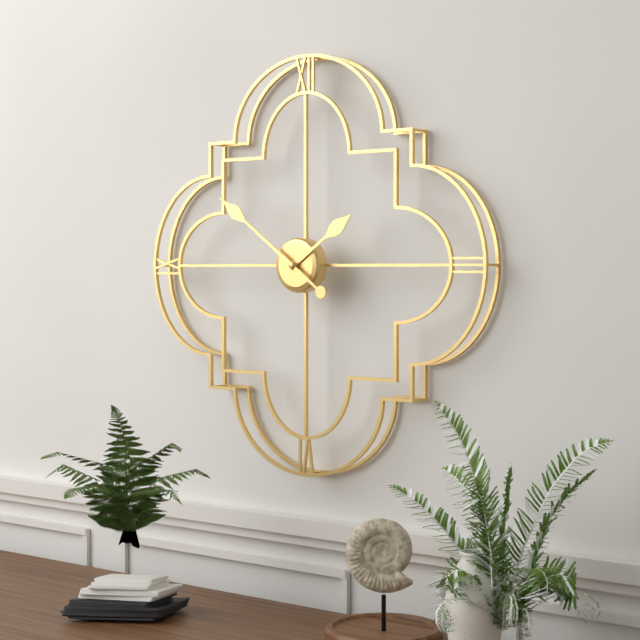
1,51
